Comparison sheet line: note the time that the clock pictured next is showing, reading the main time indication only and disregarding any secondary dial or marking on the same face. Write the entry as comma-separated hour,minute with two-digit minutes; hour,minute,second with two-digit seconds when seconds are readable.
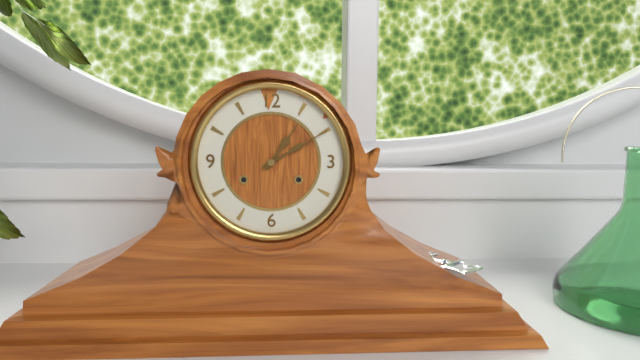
1,10
